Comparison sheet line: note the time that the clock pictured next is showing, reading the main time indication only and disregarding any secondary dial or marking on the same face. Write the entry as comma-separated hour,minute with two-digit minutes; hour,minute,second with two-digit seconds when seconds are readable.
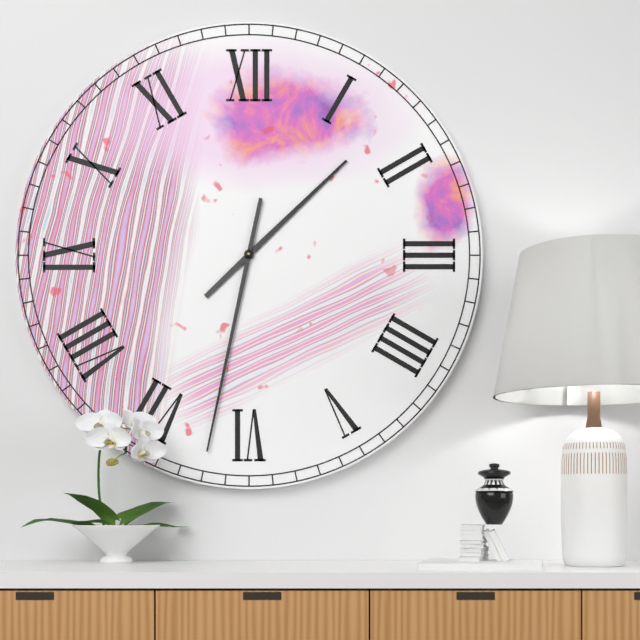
1,32
